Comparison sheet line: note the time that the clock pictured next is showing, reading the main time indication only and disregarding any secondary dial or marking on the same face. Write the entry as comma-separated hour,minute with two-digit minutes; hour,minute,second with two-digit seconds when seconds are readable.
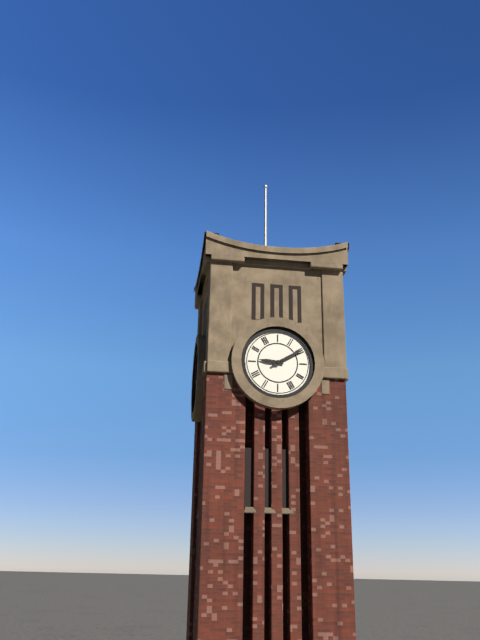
9,10
